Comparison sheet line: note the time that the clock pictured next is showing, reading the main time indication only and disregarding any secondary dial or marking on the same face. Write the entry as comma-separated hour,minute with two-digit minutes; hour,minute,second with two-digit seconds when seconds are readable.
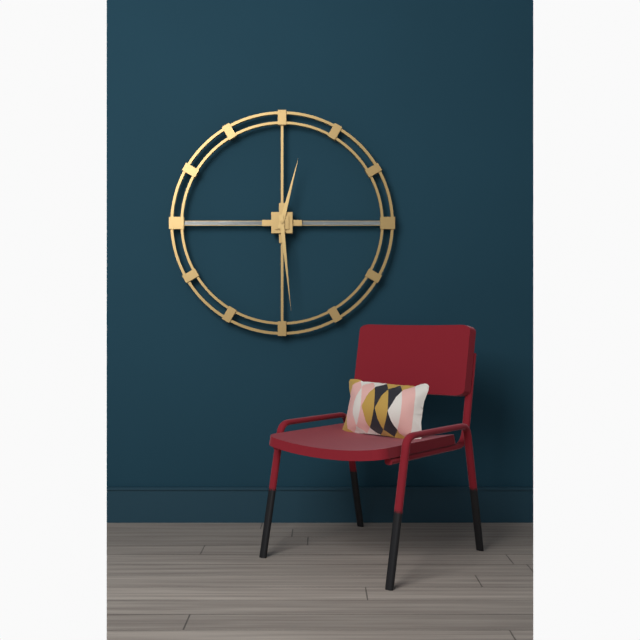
12,29
